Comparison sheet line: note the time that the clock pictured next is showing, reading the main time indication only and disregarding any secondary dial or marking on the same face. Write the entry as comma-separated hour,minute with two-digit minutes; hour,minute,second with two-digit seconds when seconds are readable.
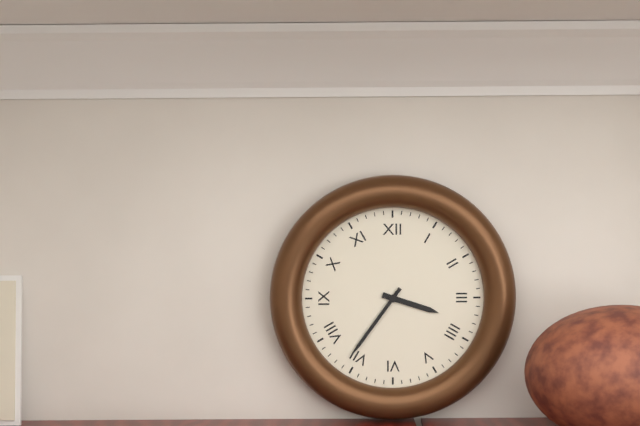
3,36
